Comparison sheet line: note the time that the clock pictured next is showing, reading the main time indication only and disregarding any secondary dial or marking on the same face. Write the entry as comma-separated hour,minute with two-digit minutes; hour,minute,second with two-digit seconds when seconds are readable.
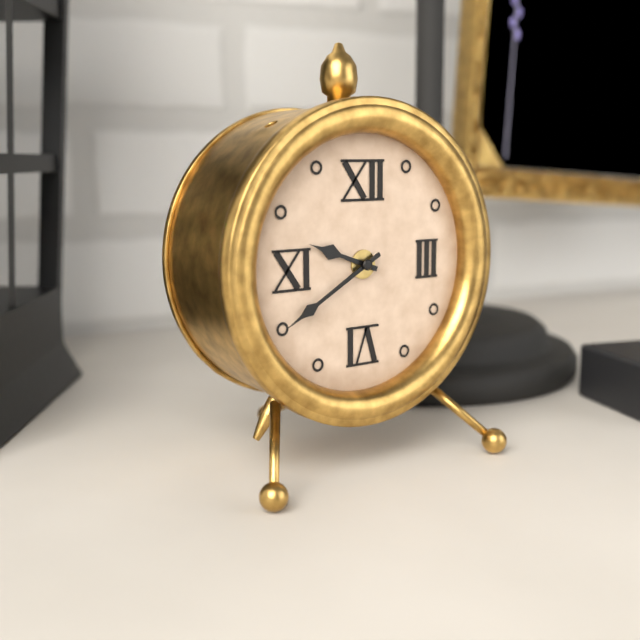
9,40
